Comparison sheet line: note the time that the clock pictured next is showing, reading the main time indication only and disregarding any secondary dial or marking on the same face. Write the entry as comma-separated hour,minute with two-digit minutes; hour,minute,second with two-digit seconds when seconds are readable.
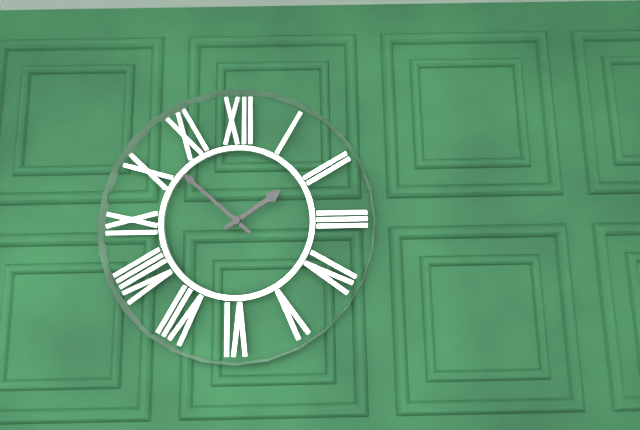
1,52
